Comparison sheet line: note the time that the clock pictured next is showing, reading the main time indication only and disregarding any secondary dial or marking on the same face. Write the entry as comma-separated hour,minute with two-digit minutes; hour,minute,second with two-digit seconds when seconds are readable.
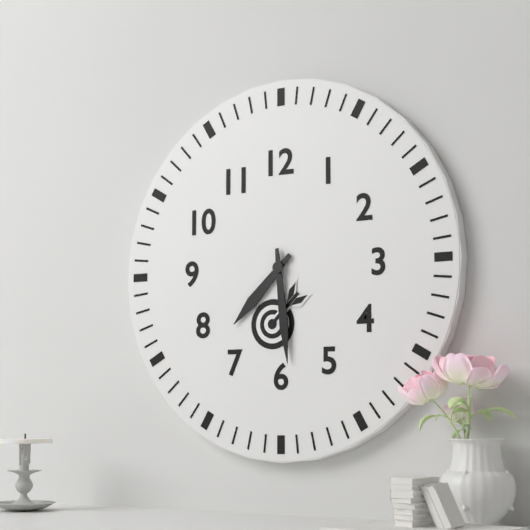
7,29
